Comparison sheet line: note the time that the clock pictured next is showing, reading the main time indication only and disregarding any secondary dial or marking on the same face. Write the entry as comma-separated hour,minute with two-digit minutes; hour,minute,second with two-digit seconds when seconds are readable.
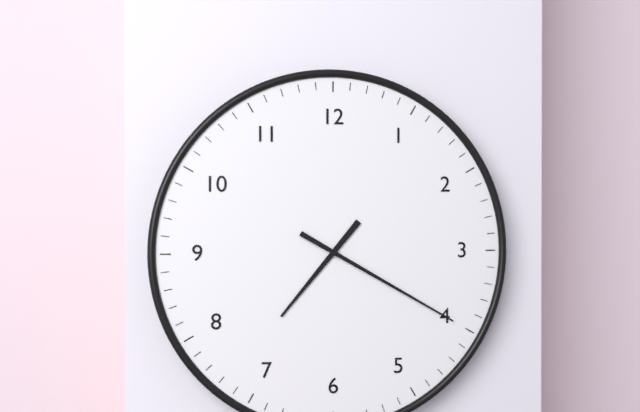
7,20
